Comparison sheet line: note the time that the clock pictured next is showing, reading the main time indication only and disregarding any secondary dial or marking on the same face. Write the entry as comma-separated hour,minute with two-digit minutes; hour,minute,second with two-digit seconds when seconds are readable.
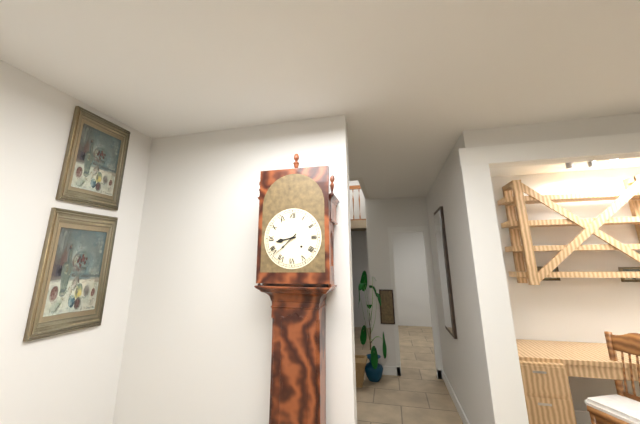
8,38
